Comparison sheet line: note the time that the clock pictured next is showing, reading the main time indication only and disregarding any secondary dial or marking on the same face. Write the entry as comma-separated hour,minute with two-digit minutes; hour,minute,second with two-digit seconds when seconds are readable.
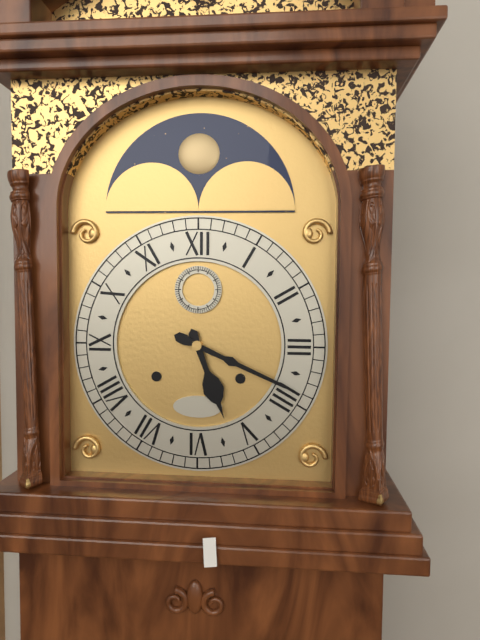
5,19
